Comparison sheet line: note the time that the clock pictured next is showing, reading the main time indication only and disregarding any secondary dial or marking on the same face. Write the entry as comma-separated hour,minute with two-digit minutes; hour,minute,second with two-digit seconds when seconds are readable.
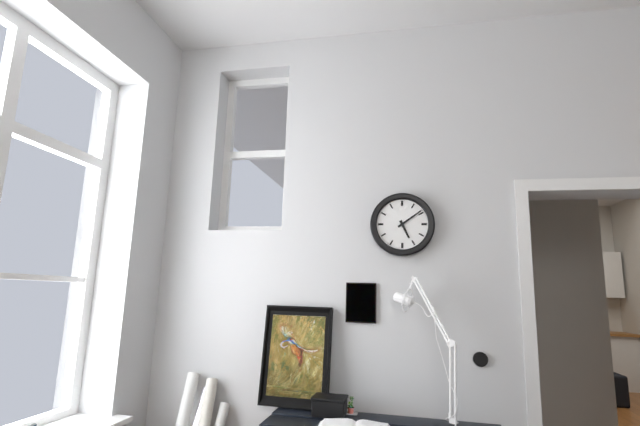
5,09
